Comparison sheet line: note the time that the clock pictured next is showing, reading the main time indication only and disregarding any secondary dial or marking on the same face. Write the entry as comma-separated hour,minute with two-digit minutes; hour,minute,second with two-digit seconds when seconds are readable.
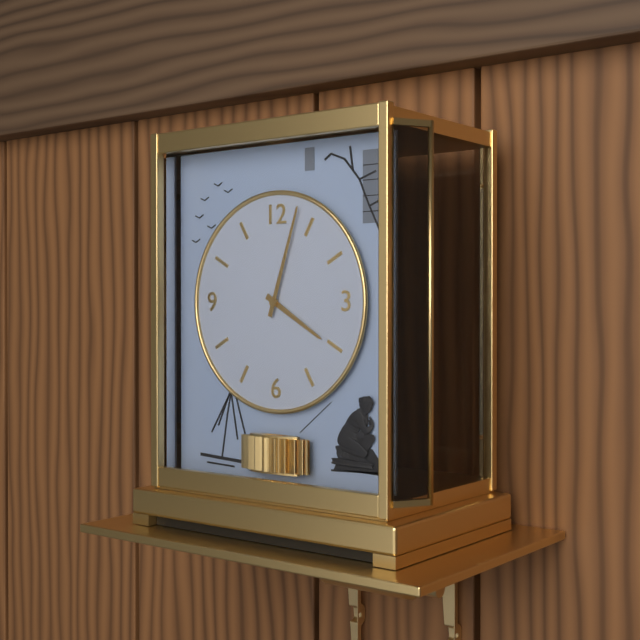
4,03
